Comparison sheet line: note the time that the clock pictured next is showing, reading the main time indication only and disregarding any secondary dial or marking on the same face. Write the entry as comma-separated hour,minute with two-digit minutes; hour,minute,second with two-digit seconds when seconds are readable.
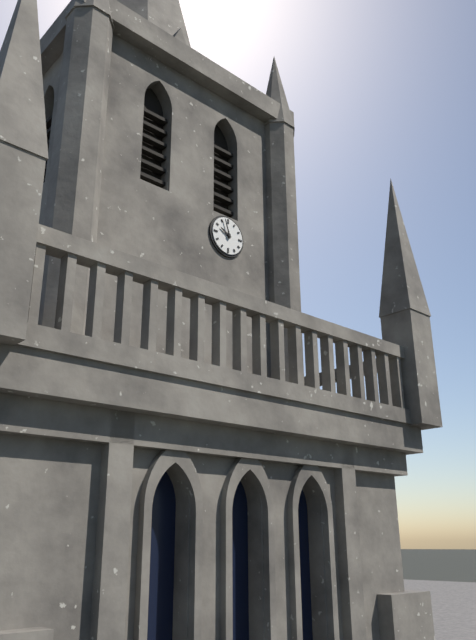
9,57
